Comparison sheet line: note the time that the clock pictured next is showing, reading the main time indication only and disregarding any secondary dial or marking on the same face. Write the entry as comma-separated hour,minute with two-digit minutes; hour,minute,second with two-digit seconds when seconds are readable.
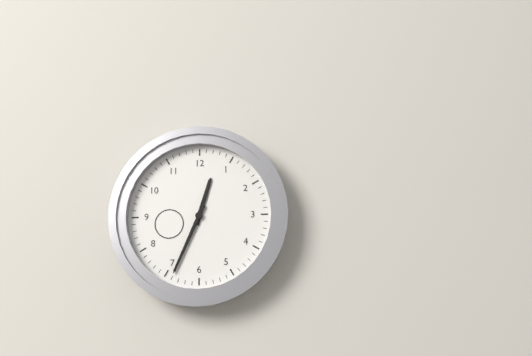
12,34
